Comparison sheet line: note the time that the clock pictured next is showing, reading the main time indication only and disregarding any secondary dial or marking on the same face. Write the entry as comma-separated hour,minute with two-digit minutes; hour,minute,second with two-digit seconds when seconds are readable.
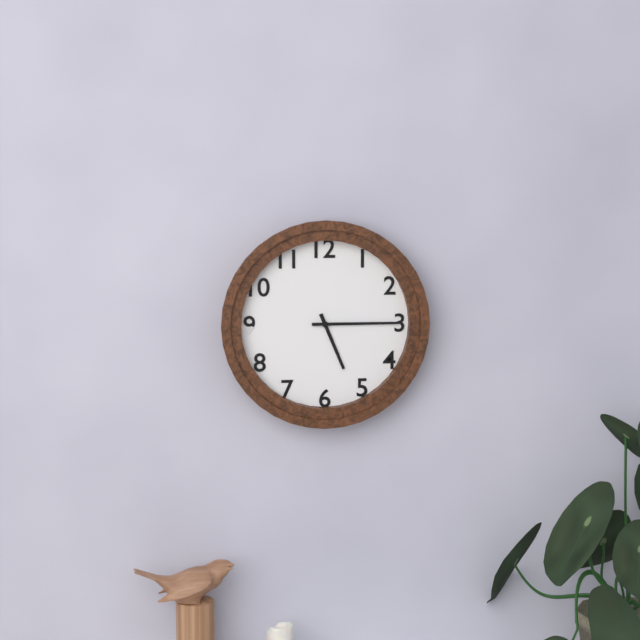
5,15
